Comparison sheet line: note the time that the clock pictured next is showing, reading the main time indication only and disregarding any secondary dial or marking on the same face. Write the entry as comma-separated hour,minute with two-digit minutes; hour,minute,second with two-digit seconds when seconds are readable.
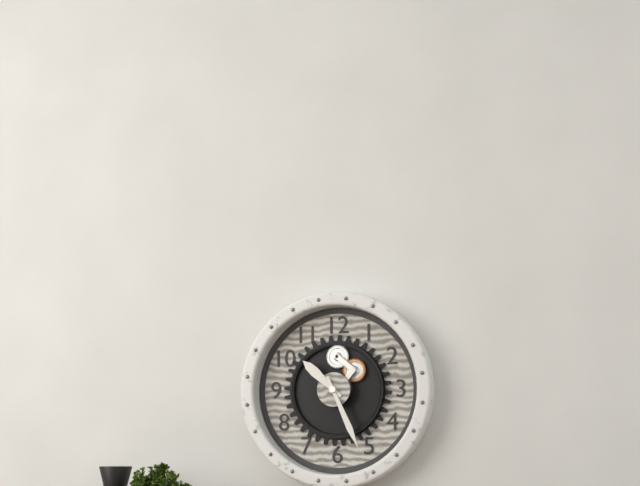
10,26
